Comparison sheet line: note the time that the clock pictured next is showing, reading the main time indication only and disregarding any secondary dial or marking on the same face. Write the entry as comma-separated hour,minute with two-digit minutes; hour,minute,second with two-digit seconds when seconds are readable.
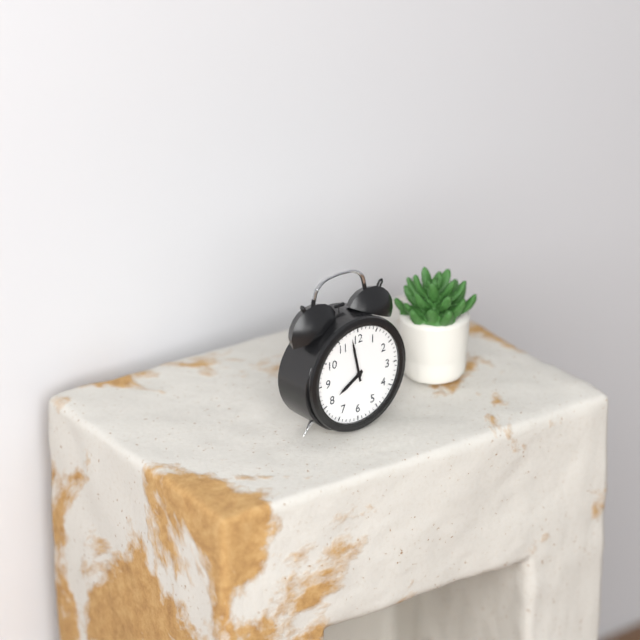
7,58
